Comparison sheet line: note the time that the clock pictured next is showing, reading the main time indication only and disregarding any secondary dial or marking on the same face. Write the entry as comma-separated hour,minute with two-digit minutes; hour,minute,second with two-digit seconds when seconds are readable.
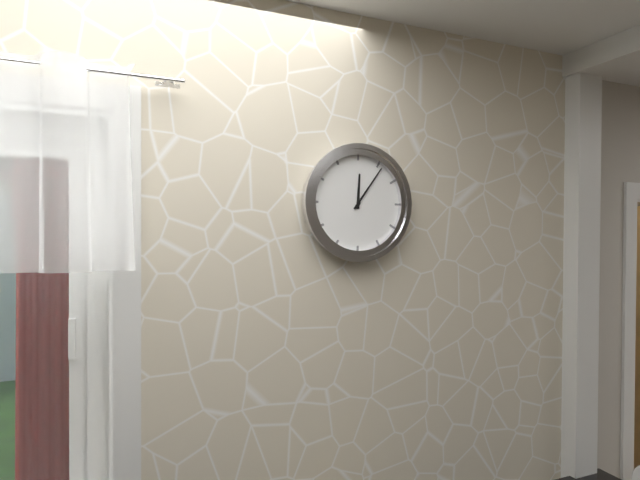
12,06
